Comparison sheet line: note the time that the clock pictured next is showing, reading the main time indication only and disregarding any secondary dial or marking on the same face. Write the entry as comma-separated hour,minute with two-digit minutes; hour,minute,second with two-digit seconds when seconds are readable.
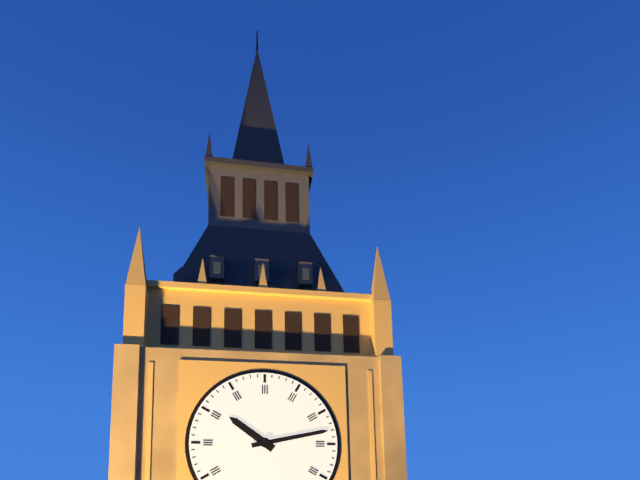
10,13
